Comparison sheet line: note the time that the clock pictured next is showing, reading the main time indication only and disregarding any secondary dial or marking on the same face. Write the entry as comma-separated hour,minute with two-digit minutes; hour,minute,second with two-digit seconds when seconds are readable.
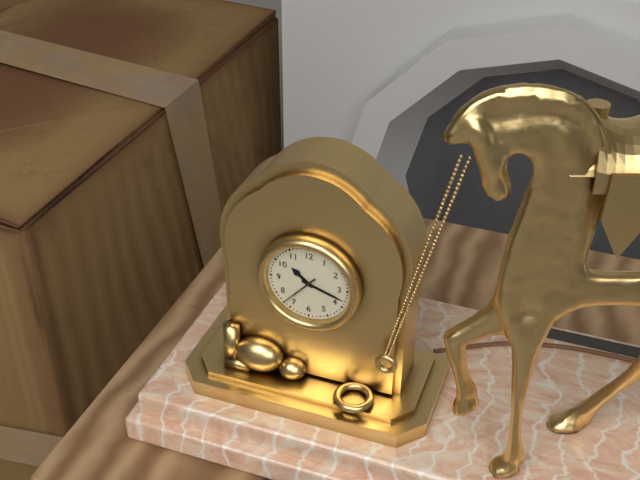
10,18
